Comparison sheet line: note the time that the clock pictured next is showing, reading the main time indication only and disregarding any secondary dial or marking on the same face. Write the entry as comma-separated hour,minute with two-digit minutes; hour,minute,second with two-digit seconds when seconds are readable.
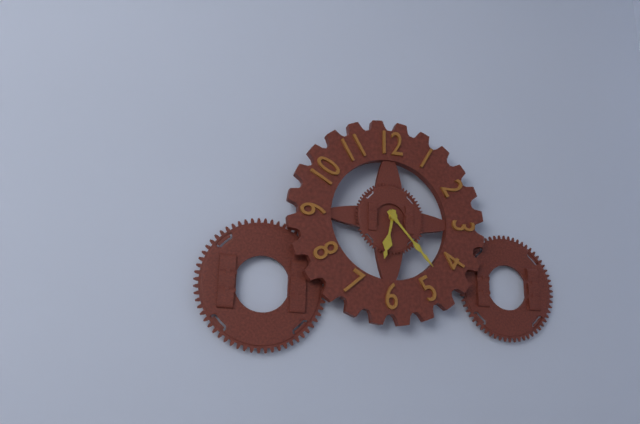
6,23
